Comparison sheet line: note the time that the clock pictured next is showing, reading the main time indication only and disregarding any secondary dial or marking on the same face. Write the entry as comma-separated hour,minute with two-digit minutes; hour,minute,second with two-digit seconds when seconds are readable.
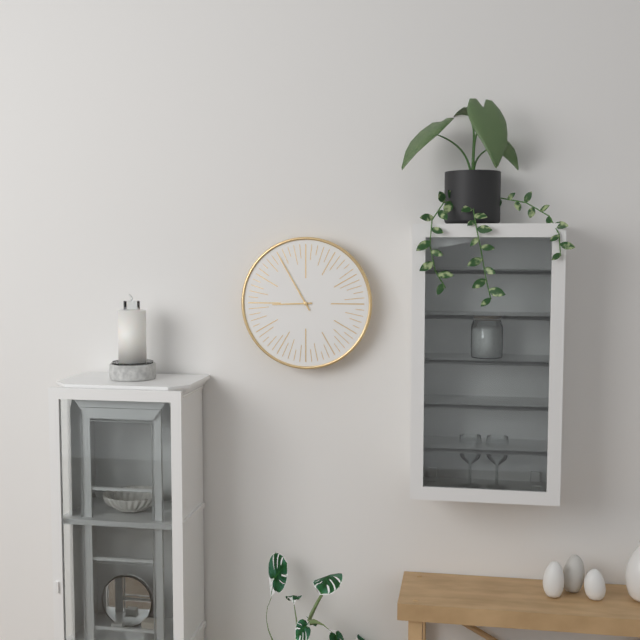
8,55
